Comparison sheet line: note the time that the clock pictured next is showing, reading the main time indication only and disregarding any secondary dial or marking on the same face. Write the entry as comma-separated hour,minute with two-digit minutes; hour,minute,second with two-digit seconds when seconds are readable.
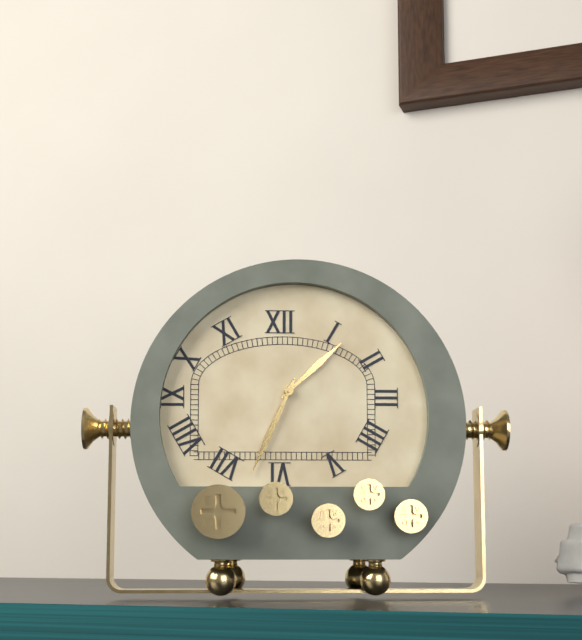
1,34
